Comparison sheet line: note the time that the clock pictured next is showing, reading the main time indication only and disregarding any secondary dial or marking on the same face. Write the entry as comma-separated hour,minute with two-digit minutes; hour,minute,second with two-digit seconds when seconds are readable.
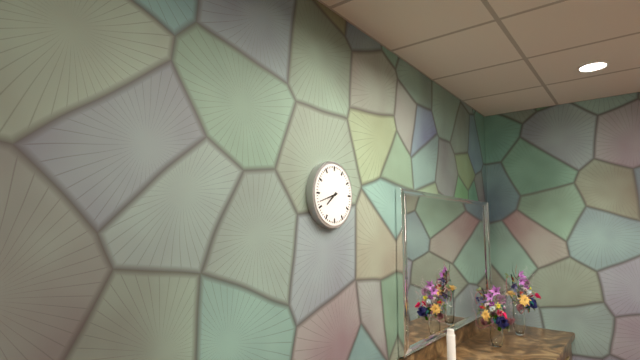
7,42
